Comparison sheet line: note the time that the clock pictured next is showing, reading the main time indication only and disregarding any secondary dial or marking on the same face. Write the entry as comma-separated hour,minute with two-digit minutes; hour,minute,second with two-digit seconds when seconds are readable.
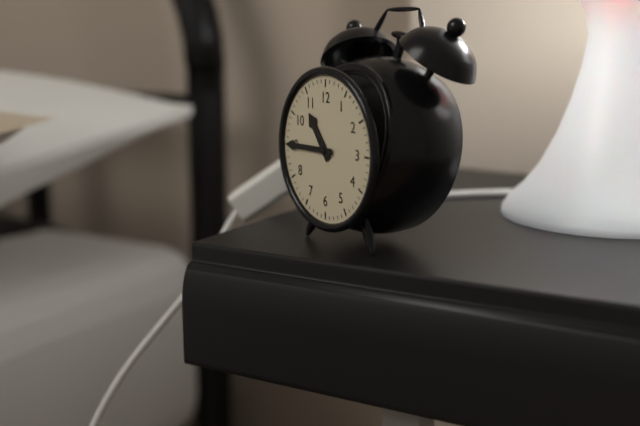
10,45
